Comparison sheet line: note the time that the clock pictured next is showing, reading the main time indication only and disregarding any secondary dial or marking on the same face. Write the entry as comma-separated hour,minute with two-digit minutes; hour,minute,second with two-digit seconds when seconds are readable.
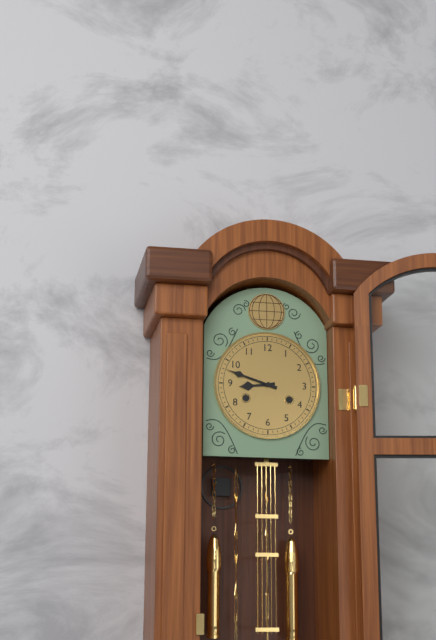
8,48
